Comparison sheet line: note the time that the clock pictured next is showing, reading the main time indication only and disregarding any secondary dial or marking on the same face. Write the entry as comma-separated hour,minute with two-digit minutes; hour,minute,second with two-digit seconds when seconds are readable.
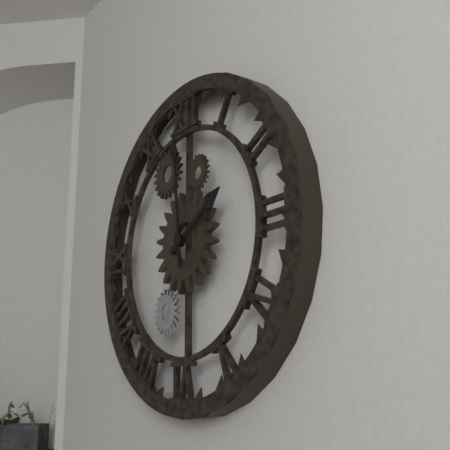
1,59
